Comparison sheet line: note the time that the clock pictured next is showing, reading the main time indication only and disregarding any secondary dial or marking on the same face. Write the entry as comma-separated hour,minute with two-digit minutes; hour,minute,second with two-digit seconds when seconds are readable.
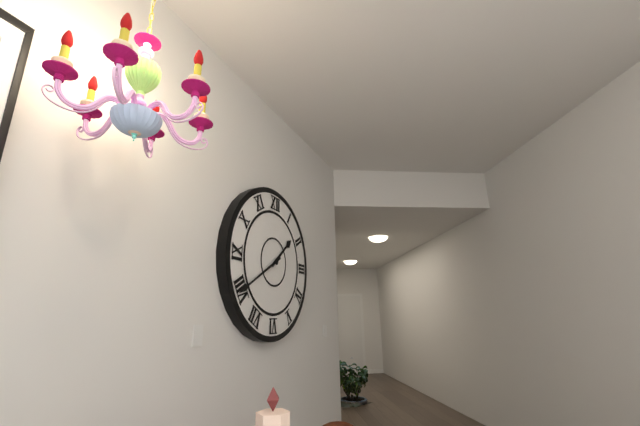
1,40
